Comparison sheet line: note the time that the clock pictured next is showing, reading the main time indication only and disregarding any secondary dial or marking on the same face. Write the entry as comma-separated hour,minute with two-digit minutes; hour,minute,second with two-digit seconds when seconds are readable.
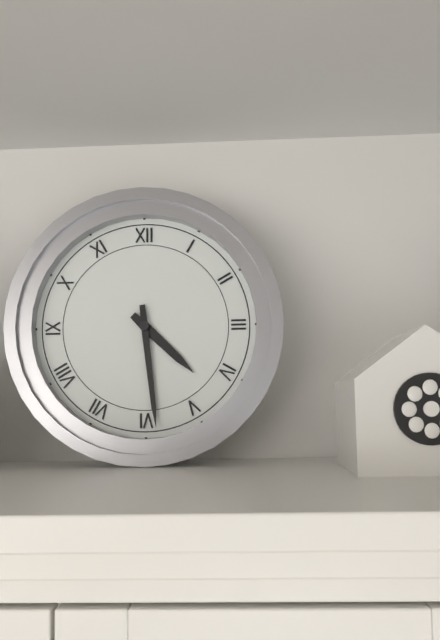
4,29
